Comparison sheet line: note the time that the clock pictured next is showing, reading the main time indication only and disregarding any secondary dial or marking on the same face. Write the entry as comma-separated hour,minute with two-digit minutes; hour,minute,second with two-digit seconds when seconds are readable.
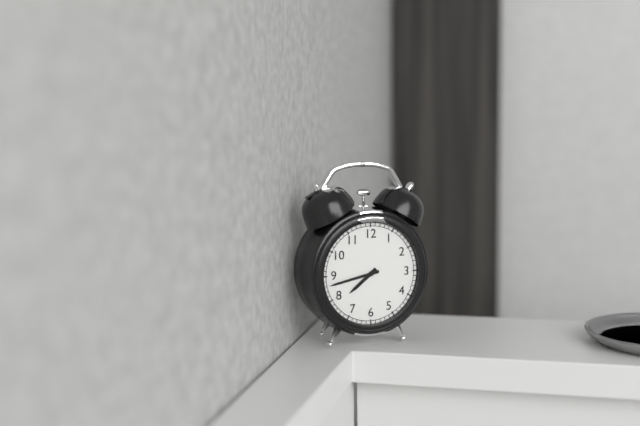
7,43
